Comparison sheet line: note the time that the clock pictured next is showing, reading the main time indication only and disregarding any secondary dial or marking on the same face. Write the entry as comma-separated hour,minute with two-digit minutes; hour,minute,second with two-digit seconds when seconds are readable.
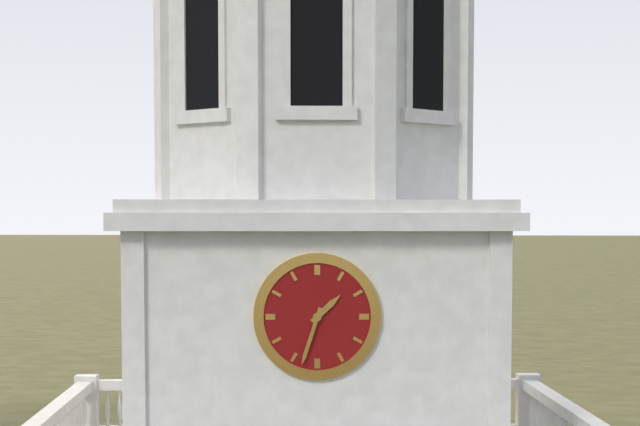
1,33
